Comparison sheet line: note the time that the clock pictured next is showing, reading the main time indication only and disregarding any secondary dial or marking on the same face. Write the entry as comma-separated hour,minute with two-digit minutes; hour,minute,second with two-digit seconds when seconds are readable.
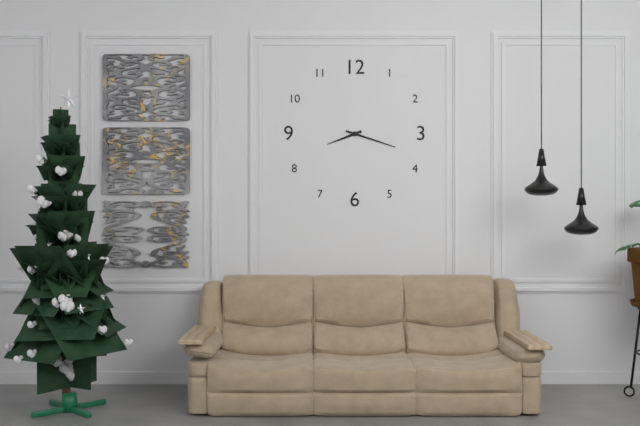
8,18
